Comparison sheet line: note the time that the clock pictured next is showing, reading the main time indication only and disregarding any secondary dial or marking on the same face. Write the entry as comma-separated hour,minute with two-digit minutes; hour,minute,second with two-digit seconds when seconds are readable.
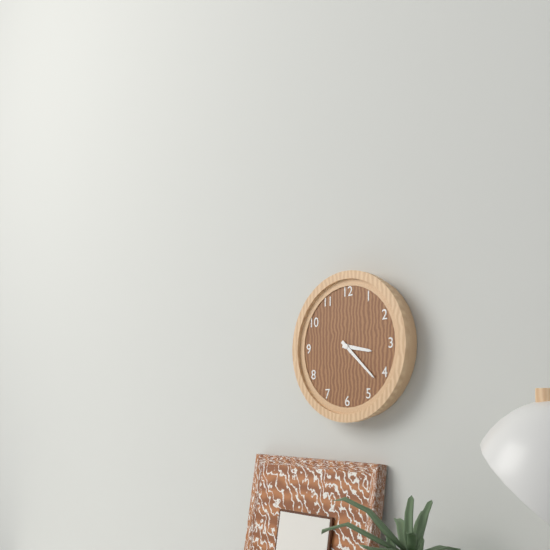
3,22
